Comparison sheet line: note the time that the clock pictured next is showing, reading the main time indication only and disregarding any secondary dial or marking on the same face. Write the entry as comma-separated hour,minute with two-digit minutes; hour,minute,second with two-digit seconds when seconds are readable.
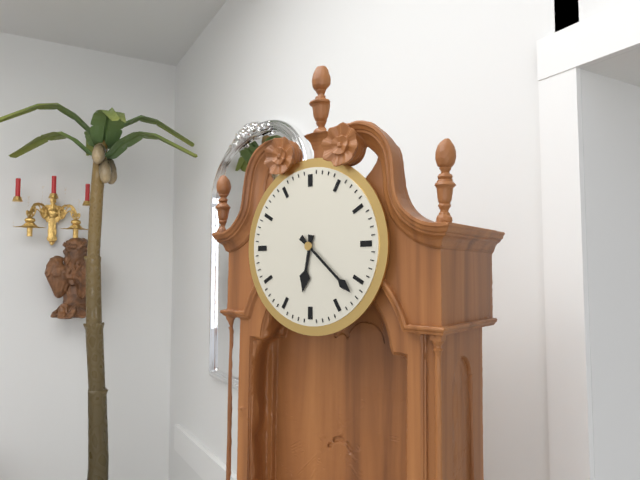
6,22
